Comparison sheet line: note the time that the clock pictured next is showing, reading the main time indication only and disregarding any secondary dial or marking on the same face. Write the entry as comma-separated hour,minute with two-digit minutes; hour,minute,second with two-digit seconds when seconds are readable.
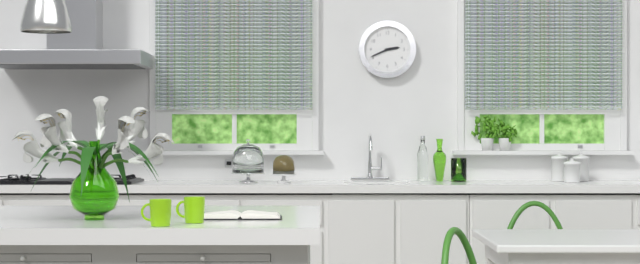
2,41
